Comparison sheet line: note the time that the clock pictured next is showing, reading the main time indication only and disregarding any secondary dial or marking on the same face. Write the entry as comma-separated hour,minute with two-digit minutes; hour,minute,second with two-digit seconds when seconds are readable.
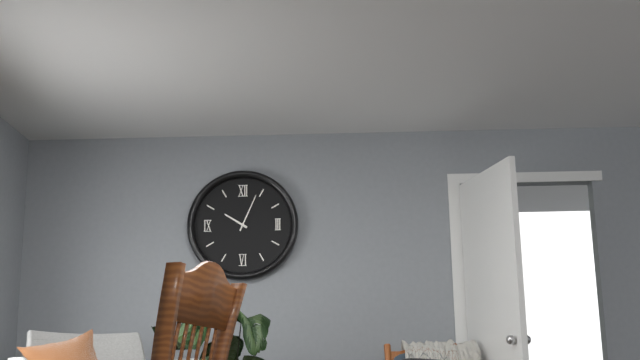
10,04
